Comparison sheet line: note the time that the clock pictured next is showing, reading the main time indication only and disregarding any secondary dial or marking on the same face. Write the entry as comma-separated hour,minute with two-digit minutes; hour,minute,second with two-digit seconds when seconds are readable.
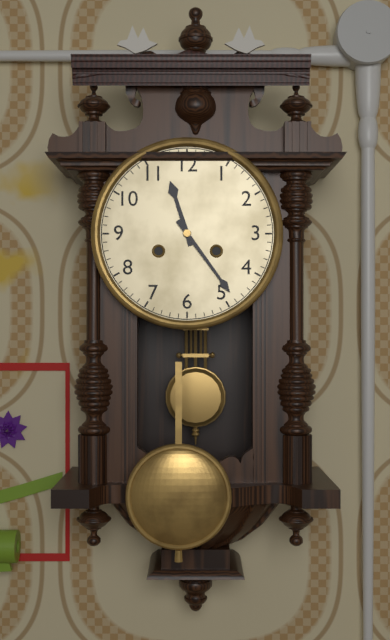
11,24
